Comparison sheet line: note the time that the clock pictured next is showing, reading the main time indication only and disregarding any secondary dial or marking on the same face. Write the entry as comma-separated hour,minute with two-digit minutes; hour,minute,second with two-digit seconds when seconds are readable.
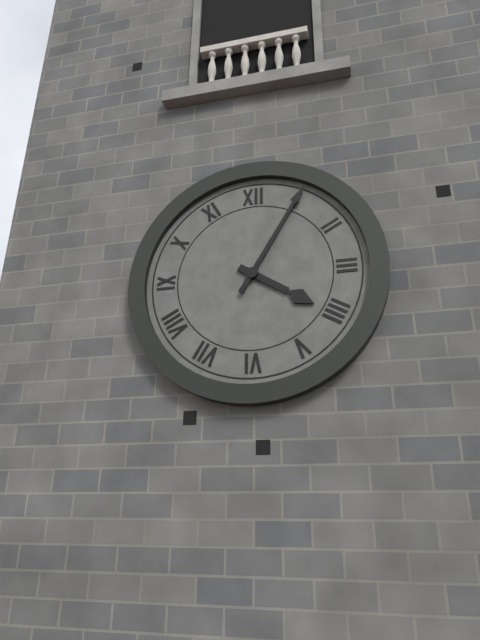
4,05
